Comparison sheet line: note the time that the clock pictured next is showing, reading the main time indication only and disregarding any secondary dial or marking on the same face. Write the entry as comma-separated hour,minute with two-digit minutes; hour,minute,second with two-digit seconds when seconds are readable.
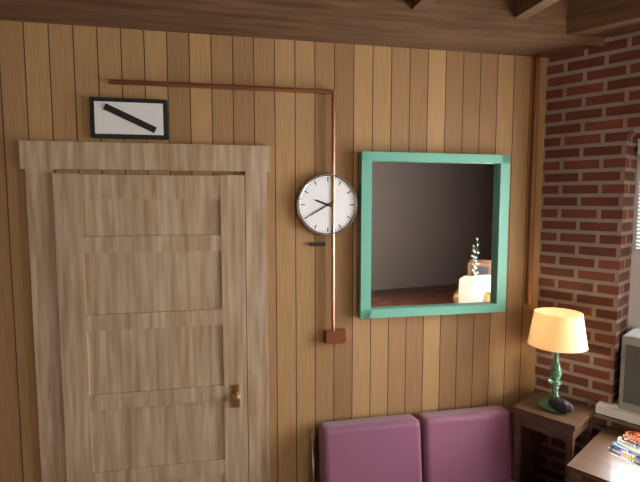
9,40
